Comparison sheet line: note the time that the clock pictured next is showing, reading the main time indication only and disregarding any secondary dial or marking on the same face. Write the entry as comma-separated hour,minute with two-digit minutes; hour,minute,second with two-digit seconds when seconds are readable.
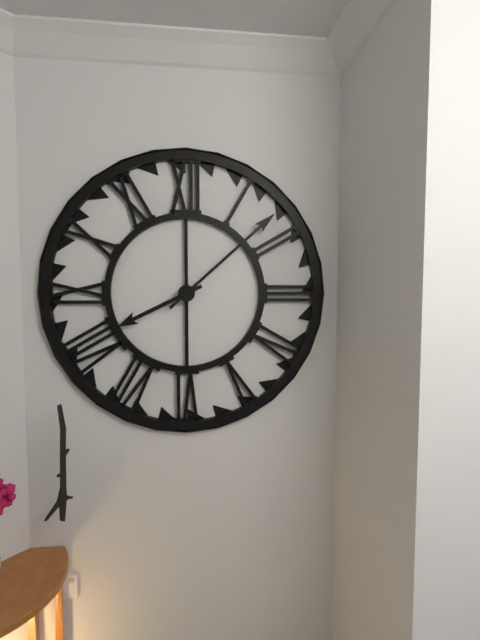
8,08
